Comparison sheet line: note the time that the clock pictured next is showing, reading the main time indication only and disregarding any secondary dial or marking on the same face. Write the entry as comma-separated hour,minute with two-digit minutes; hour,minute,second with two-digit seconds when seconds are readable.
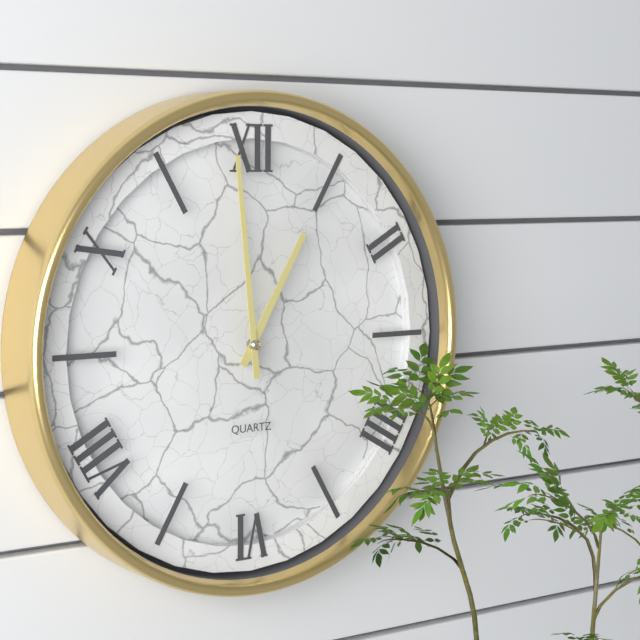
12,59
